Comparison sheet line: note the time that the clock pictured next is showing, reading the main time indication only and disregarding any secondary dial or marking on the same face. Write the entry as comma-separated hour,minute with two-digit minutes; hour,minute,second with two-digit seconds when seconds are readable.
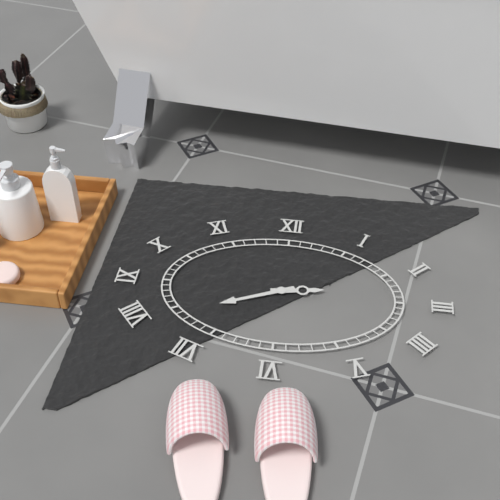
2,41
